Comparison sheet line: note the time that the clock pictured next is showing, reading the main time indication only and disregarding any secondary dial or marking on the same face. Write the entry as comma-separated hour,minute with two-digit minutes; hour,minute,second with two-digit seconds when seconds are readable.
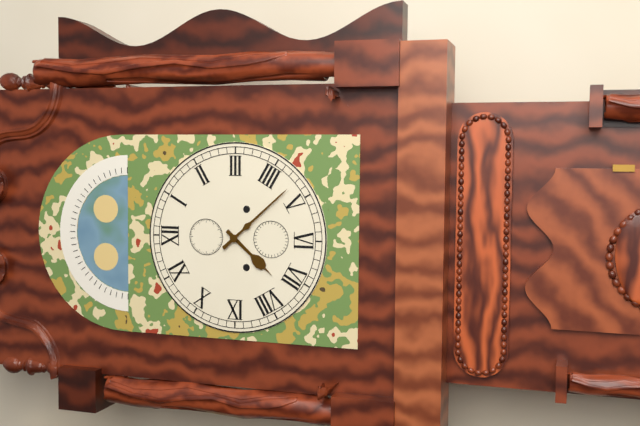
7,23
